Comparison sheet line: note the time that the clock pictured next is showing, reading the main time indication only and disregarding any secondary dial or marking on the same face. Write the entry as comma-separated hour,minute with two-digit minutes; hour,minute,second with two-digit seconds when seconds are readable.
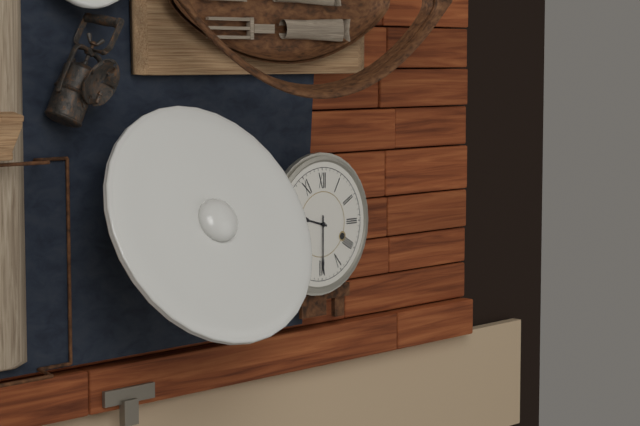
9,30
